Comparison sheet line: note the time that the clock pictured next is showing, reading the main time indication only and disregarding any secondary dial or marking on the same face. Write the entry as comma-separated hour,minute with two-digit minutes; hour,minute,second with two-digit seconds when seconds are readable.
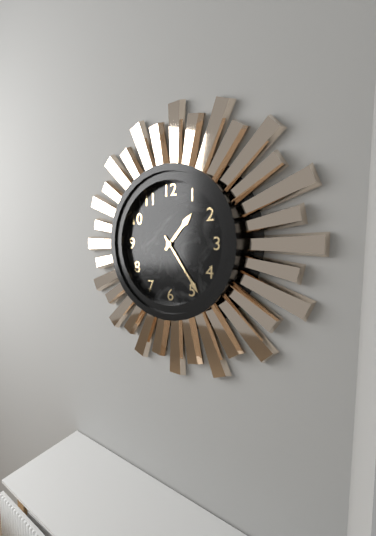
1,24
